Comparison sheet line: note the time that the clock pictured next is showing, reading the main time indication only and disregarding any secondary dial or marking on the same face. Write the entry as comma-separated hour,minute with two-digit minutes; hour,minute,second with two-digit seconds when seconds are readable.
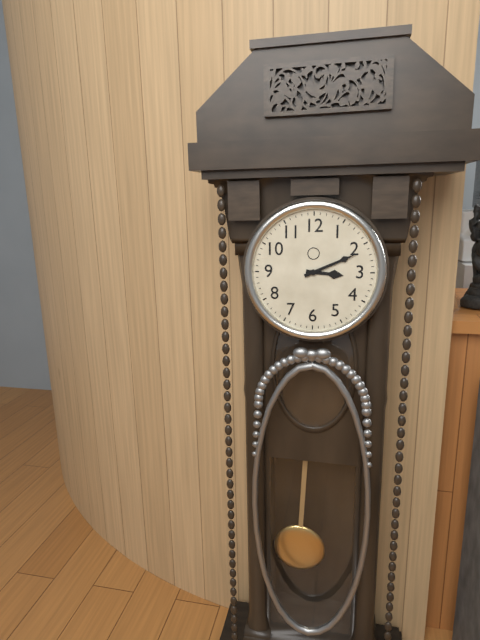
3,11
